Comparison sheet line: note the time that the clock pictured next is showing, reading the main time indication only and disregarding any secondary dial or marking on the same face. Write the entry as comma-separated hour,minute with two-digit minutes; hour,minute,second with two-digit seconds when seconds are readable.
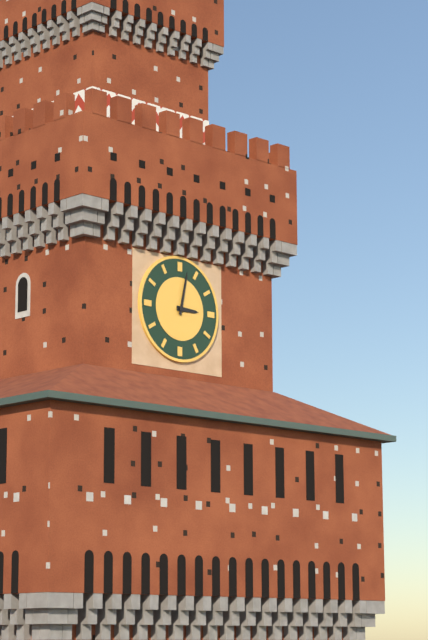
3,02
